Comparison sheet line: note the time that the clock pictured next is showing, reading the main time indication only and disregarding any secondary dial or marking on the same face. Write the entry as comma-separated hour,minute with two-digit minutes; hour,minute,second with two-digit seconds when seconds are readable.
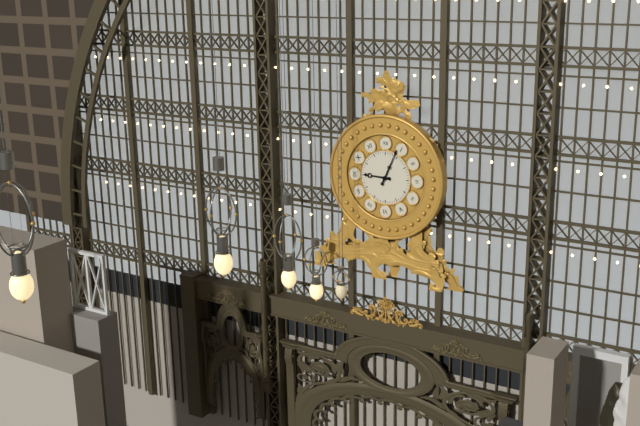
9,04
